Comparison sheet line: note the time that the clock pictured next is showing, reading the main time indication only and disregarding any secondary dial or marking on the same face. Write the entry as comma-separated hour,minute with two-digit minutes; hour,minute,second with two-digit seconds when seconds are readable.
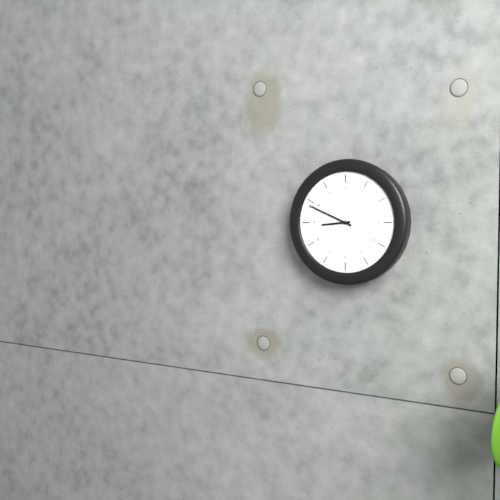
8,49
